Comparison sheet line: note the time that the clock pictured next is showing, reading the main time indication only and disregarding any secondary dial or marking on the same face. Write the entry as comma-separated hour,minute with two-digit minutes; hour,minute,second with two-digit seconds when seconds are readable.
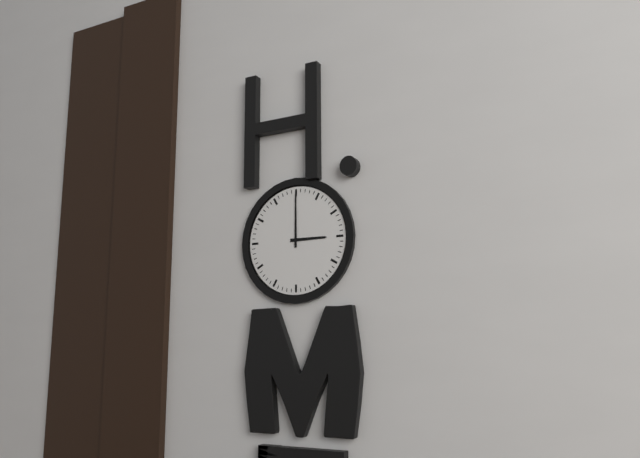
3,00
